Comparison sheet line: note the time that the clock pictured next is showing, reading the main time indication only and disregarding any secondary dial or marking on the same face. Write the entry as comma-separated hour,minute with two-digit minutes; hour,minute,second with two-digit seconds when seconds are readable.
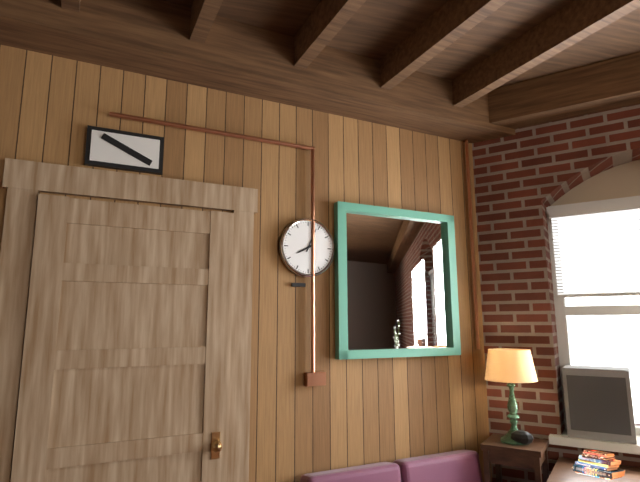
8,04
